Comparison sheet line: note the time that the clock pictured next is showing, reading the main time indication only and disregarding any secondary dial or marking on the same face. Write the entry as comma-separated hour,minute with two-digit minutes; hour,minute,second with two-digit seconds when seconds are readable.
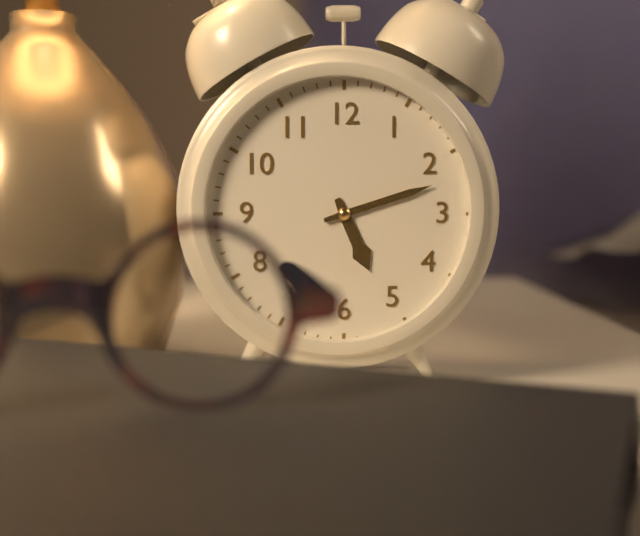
5,12
